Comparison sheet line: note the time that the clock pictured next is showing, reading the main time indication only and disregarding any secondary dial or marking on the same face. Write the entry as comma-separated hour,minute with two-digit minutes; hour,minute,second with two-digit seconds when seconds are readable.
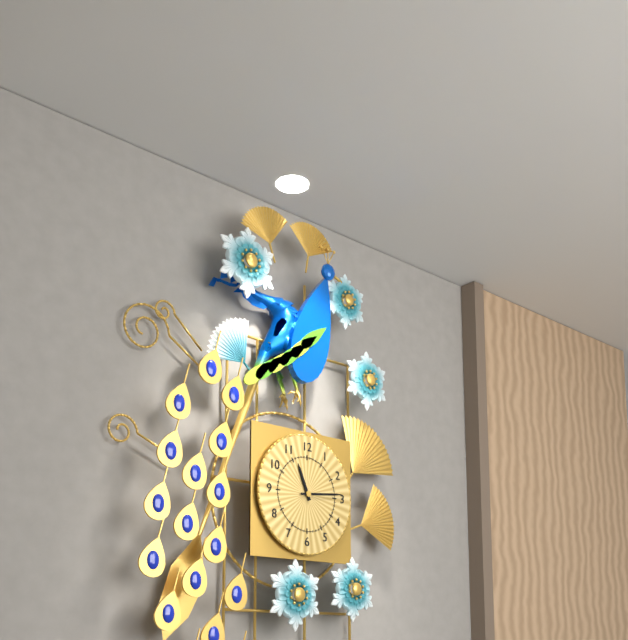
11,14
